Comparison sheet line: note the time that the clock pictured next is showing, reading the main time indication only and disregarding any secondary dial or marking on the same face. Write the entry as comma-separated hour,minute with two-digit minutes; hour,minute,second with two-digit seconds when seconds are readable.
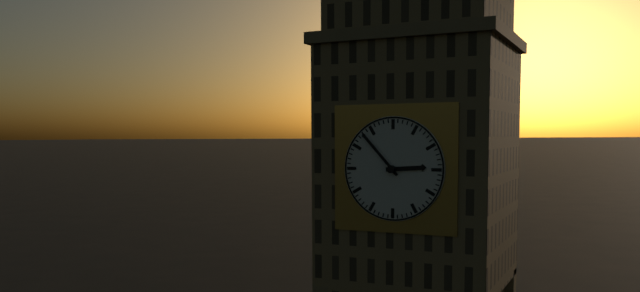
2,53
